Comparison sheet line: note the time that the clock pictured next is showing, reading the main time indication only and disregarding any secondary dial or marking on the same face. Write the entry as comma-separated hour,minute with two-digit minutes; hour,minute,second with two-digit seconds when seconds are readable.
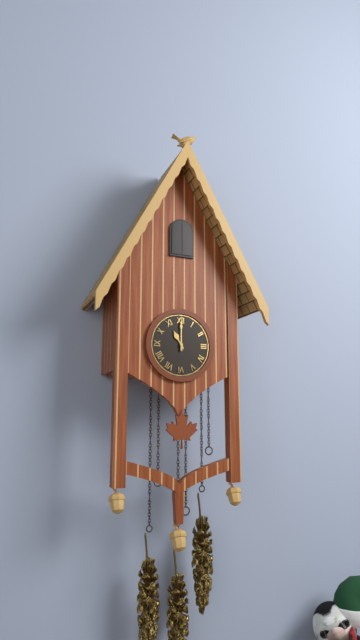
11,00
